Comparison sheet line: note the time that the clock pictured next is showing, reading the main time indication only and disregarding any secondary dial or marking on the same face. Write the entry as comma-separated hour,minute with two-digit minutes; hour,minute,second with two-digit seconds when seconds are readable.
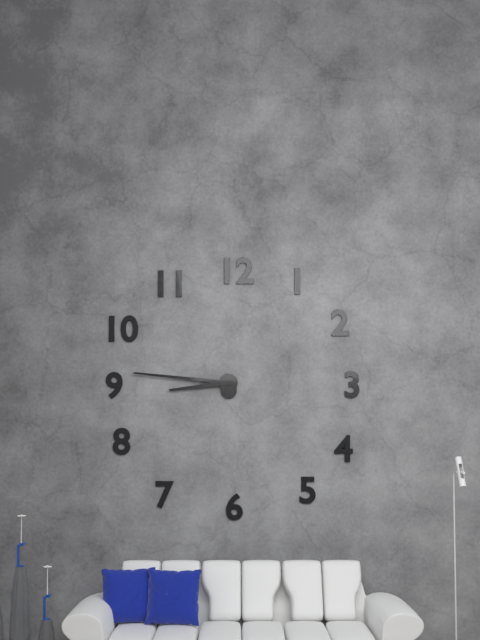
8,46
